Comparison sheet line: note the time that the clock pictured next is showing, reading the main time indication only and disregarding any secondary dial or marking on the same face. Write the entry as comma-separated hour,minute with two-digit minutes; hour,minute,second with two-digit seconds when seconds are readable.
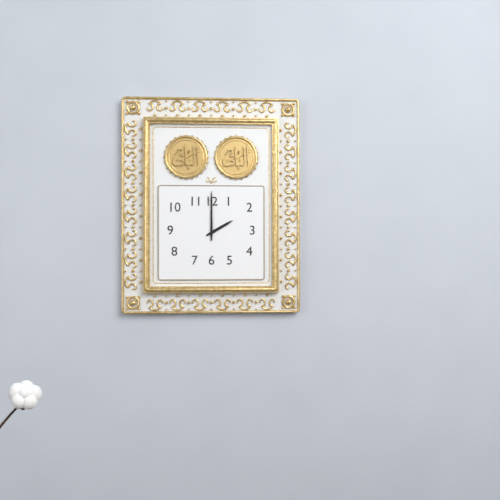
2,00
